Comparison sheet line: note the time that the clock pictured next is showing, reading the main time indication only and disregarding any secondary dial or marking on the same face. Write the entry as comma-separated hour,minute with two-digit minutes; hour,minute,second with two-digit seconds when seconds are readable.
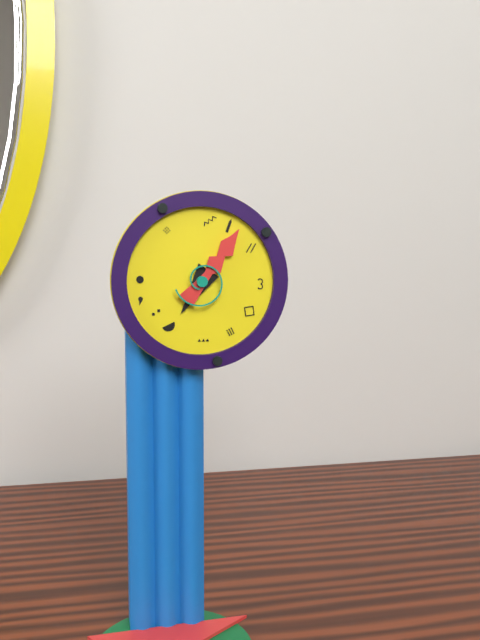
7,06
